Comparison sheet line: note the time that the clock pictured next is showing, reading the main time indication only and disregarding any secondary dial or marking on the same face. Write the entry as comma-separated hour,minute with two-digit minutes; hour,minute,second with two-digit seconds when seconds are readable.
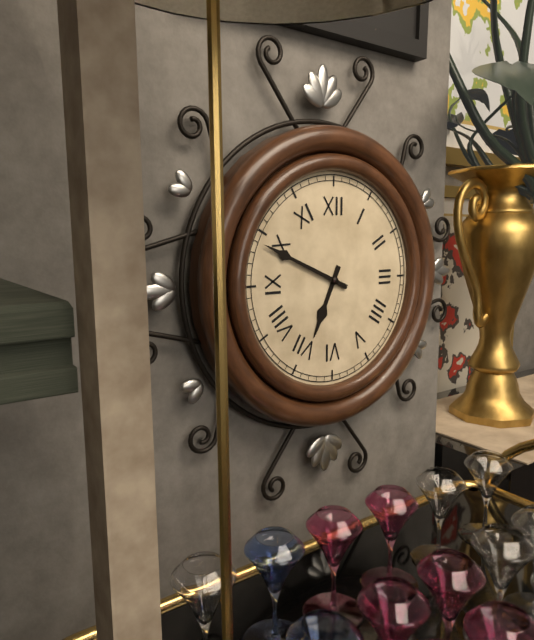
6,49
